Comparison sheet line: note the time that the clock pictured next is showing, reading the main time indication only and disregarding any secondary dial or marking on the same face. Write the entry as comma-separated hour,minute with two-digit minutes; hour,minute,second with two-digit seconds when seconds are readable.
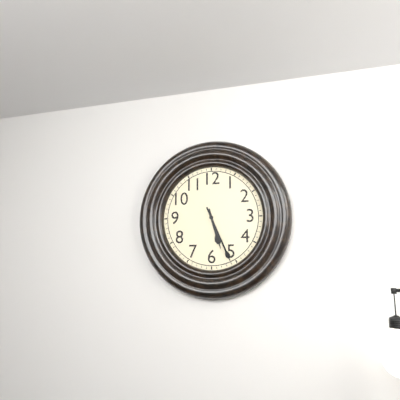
5,26
